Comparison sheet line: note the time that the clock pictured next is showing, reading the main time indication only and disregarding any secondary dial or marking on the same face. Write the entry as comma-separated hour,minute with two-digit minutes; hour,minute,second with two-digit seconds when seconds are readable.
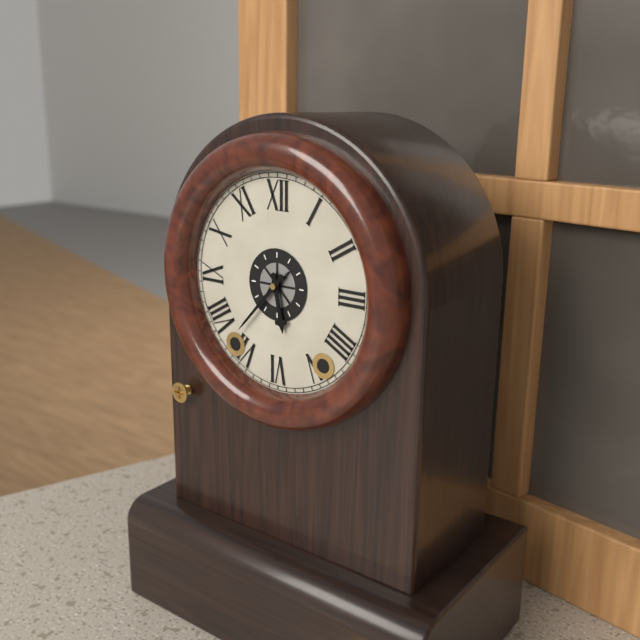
5,37
